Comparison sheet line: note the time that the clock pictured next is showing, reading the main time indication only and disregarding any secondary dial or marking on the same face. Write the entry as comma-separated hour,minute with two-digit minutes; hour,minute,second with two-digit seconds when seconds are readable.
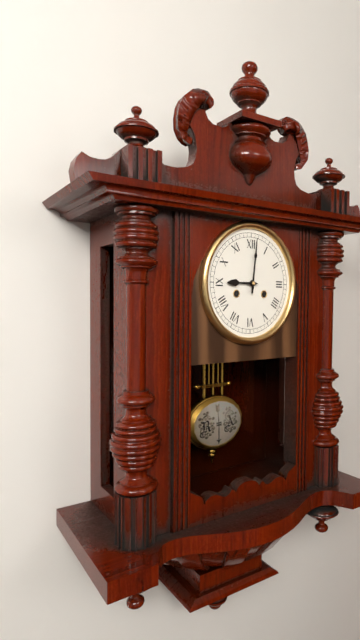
9,01
